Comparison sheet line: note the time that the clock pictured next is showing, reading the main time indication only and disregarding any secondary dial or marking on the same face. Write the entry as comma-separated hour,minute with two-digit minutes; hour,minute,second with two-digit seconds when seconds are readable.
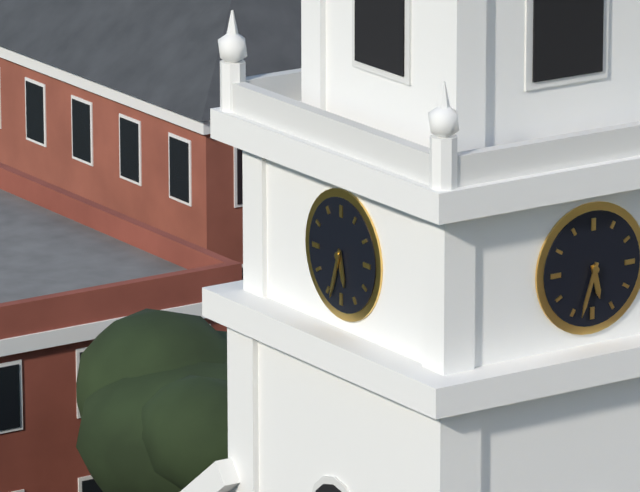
5,33
